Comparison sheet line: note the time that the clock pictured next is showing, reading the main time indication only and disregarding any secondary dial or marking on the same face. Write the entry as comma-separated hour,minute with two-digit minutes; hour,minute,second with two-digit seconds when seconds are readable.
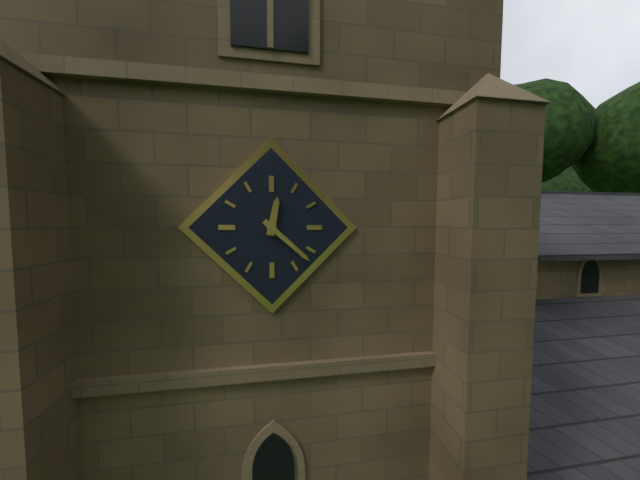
12,22
